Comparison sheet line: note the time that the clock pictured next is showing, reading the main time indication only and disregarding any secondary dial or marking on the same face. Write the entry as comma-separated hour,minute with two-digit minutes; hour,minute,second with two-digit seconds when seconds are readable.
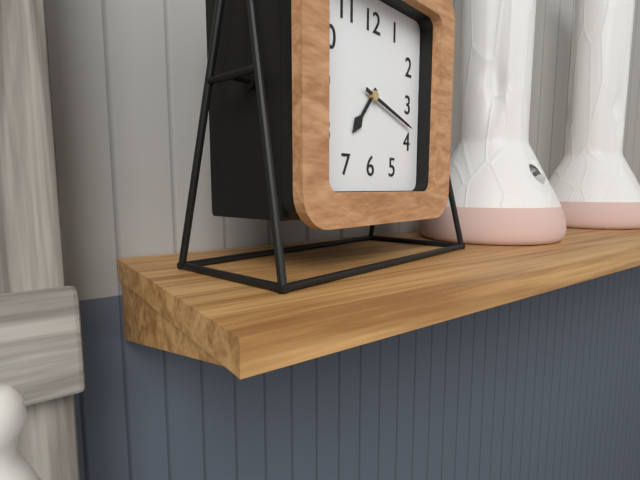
7,18
